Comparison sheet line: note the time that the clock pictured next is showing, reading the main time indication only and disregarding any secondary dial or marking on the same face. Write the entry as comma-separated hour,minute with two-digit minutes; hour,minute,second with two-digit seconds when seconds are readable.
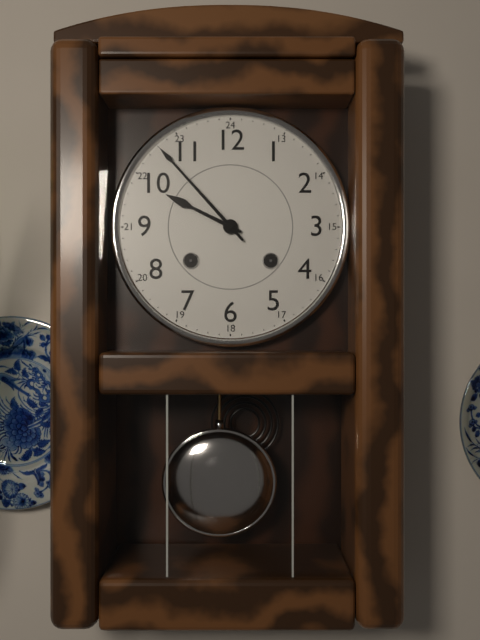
9,53
